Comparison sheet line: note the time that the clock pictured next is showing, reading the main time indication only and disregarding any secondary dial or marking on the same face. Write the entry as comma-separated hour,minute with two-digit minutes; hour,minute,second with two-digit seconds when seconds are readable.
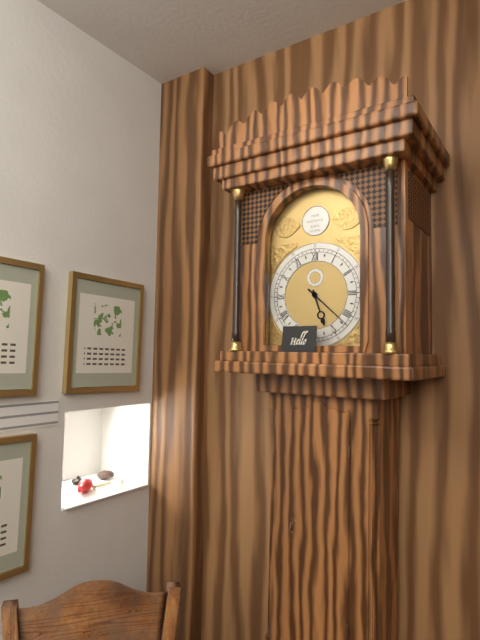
5,22
